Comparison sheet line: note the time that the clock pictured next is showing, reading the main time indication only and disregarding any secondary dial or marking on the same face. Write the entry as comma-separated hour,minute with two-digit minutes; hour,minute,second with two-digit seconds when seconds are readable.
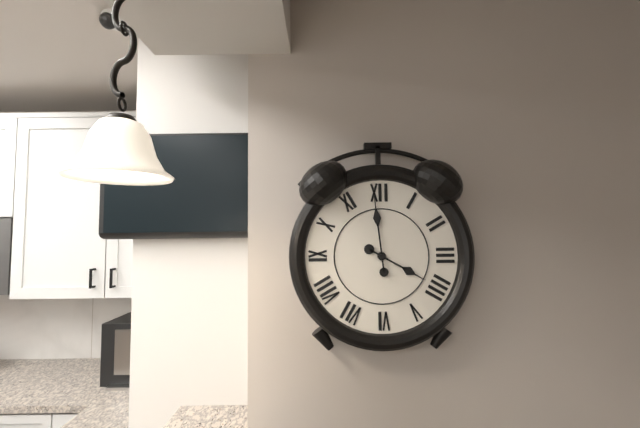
3,59
